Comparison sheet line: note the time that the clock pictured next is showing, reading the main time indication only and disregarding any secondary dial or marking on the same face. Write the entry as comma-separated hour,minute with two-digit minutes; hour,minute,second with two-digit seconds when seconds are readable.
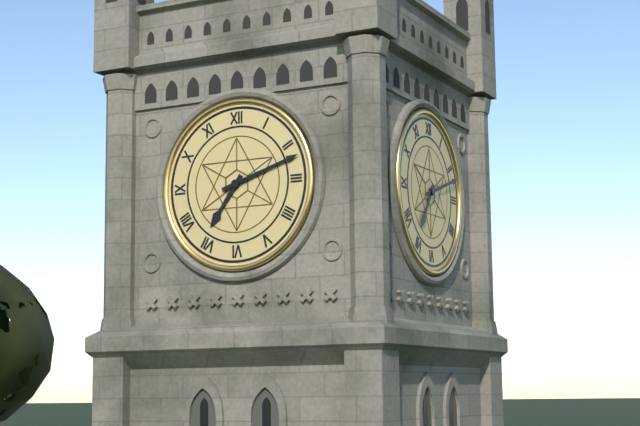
7,12
